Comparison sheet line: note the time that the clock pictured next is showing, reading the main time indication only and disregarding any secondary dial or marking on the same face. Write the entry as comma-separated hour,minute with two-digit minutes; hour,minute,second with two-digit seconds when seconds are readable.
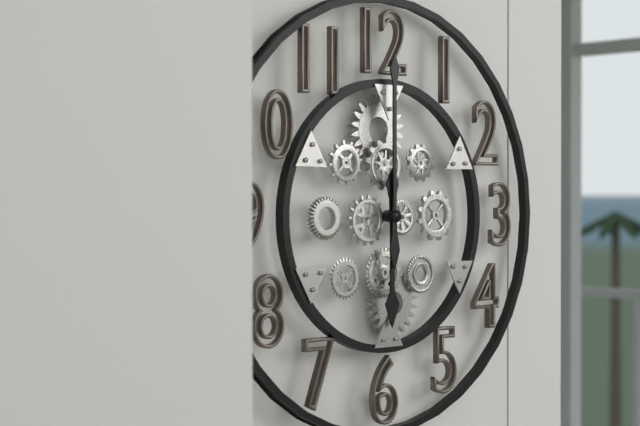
6,00
